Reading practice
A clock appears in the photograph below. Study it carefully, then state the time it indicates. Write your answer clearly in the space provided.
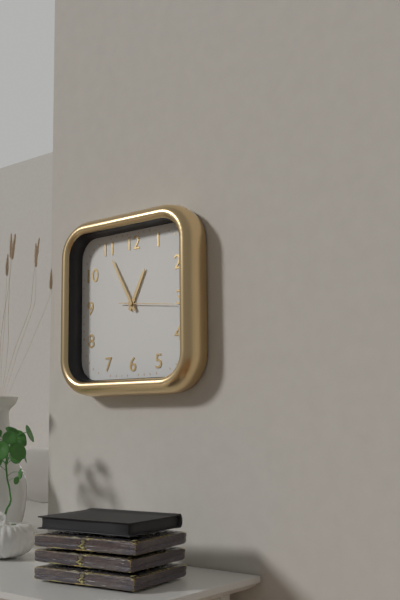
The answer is 12:55:16
